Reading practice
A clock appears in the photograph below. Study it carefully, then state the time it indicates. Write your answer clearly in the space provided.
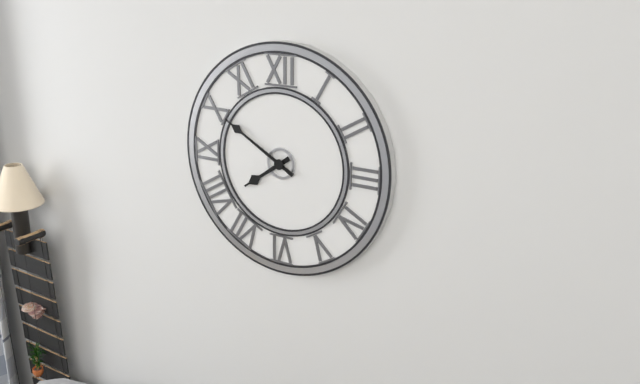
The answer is 7:50
